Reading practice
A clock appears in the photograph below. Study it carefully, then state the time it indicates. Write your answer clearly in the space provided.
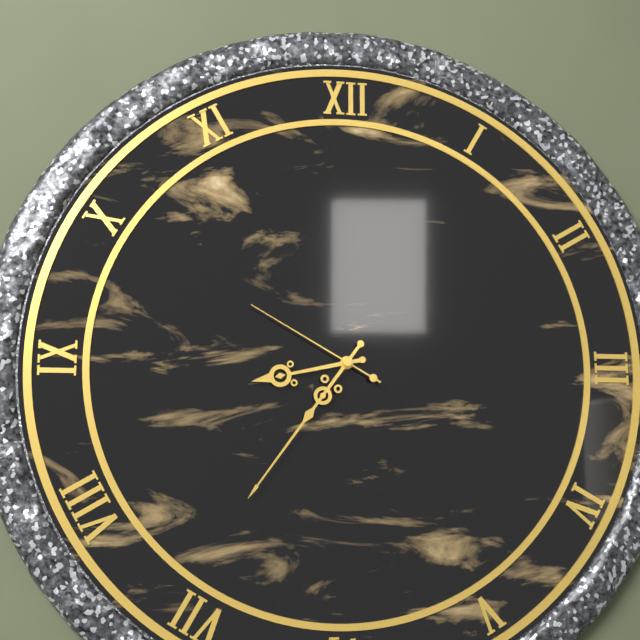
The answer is 8:36:50
